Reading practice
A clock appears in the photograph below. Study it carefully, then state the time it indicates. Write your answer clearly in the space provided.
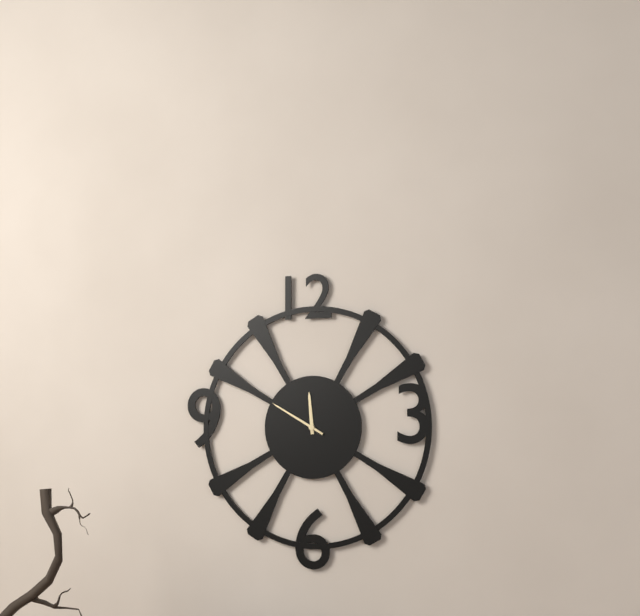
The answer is 11:50
